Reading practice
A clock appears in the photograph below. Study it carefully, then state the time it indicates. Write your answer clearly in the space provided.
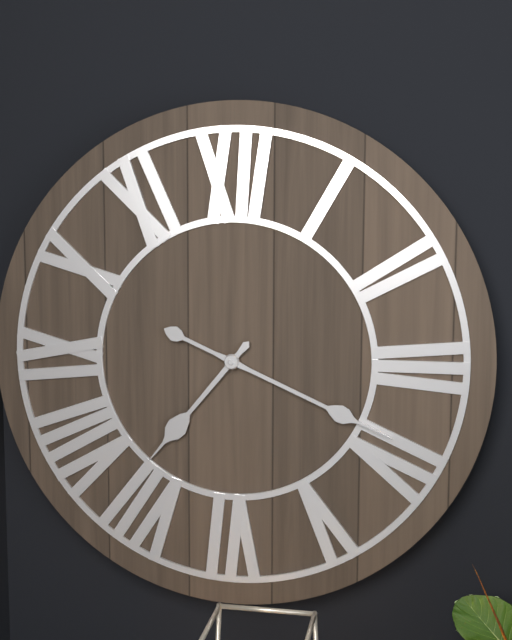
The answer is 7:19
